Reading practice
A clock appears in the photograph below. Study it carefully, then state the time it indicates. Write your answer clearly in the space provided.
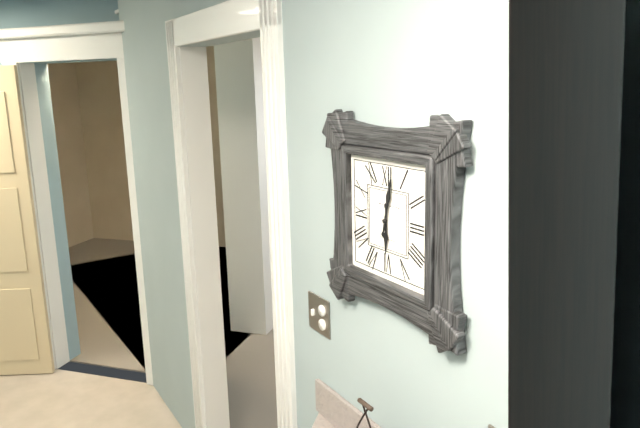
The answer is 6:02
